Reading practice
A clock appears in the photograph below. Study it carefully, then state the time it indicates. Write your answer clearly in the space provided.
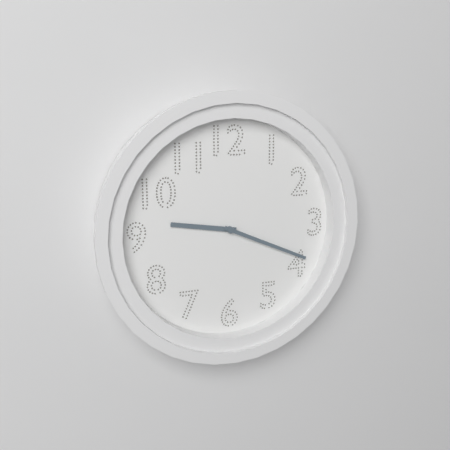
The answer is 9:19
